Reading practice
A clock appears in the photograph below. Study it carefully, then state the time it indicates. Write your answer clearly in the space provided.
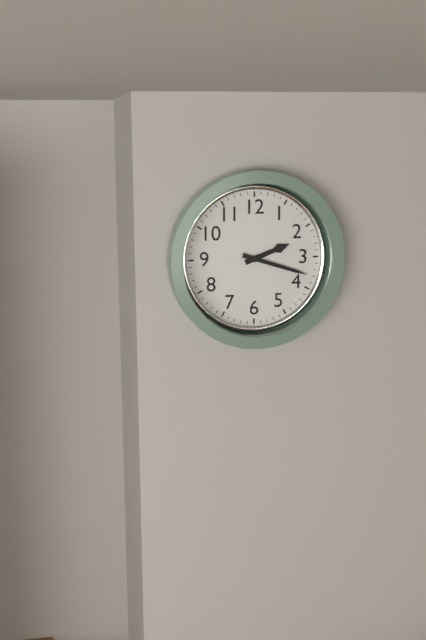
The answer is 2:18
